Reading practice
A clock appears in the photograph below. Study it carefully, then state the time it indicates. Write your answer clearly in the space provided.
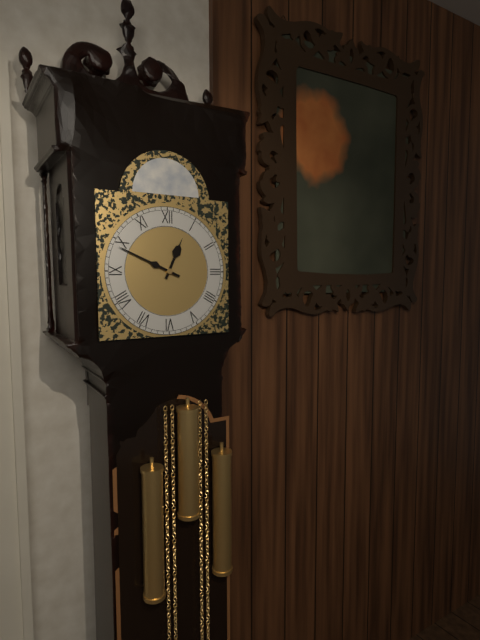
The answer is 12:49
